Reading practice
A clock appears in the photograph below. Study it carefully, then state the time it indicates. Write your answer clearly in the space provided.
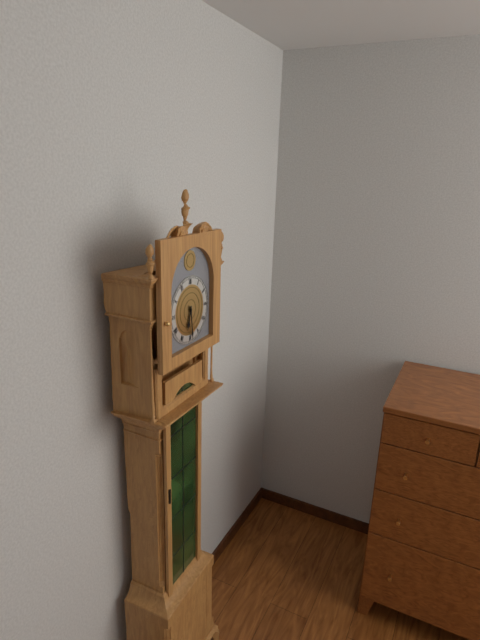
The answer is 6:29
